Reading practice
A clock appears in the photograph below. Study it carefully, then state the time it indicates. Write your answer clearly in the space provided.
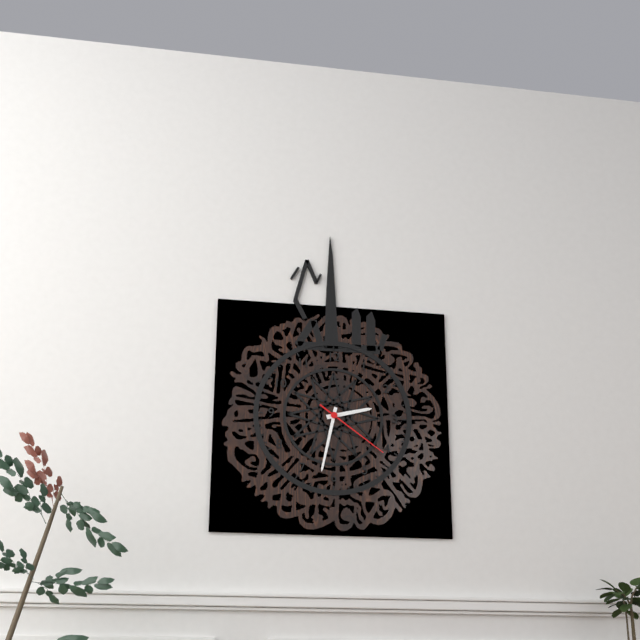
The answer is 2:32:21
